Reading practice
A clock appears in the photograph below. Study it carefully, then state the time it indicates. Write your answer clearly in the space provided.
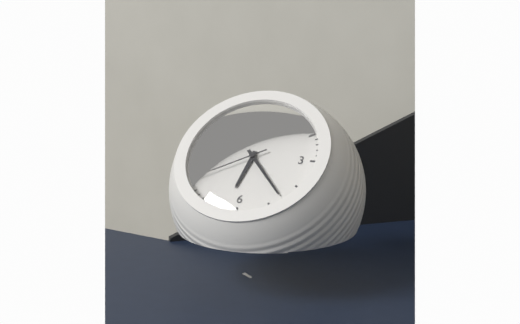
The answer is 6:23:40
